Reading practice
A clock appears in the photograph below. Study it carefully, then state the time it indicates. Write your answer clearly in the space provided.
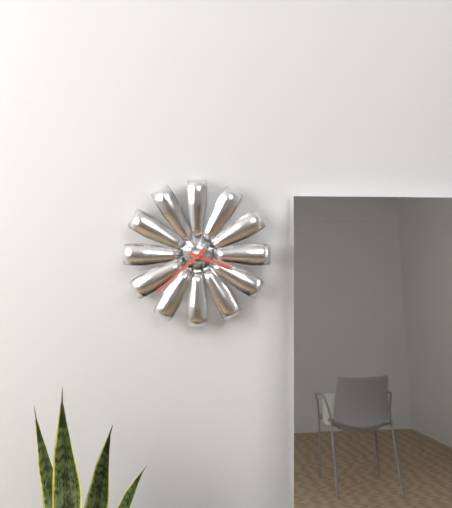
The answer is 3:38
